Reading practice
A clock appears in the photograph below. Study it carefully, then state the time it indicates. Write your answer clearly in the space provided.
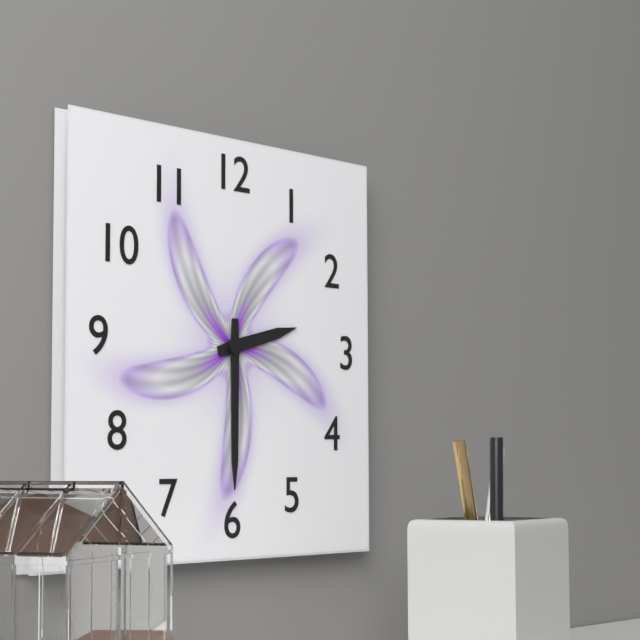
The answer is 2:30
